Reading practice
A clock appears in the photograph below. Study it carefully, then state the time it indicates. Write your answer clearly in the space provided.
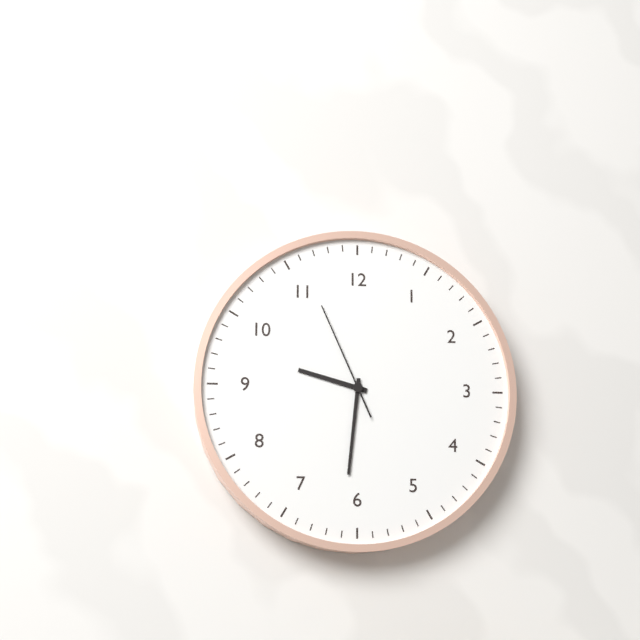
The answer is 9:31:56
